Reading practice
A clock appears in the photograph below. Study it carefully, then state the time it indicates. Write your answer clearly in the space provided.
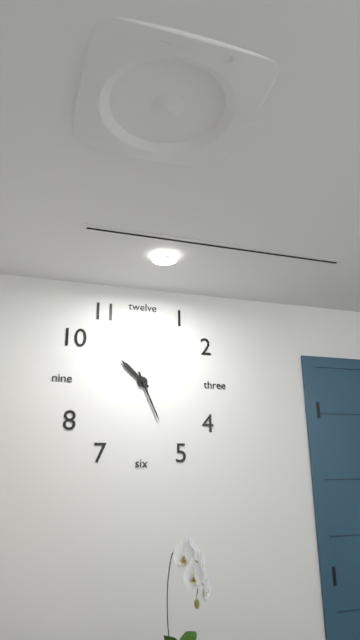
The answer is 10:26
